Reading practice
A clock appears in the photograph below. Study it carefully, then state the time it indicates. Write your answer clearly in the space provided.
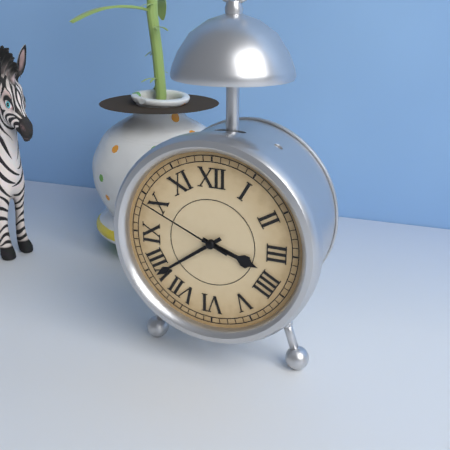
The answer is 3:39:49
